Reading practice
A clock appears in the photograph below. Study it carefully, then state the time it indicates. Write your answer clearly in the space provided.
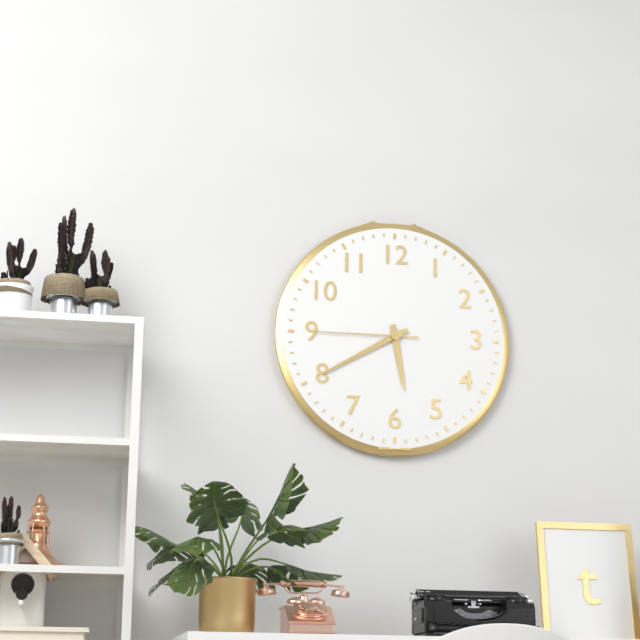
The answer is 5:40:45
